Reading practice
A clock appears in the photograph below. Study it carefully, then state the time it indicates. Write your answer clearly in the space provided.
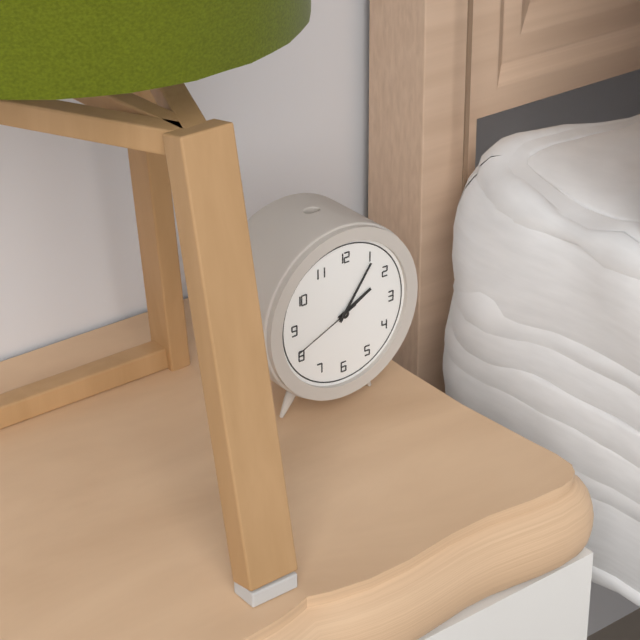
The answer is 2:06:41
